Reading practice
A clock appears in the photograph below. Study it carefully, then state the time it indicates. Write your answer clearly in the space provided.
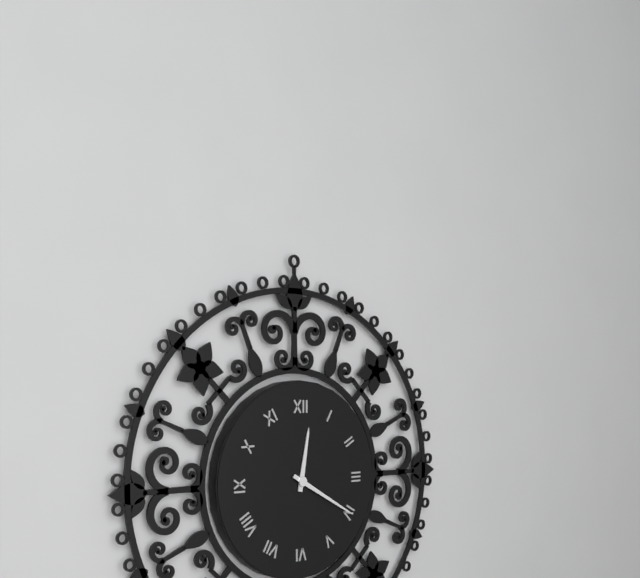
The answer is 12:20
